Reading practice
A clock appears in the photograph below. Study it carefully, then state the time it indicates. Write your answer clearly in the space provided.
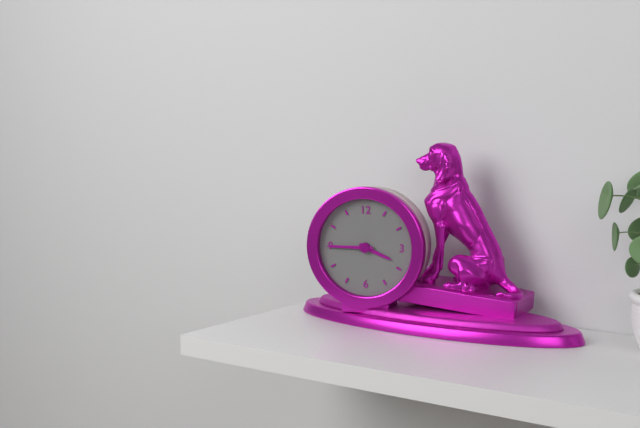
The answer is 3:45
